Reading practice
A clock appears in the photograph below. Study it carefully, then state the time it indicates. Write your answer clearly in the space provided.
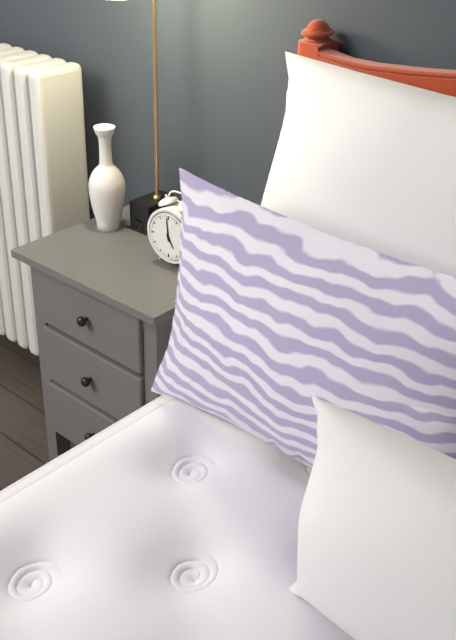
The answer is 4:59
